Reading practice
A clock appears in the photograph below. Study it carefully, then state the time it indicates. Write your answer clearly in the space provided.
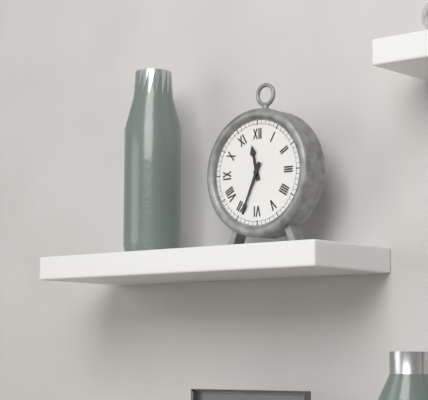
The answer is 11:34
